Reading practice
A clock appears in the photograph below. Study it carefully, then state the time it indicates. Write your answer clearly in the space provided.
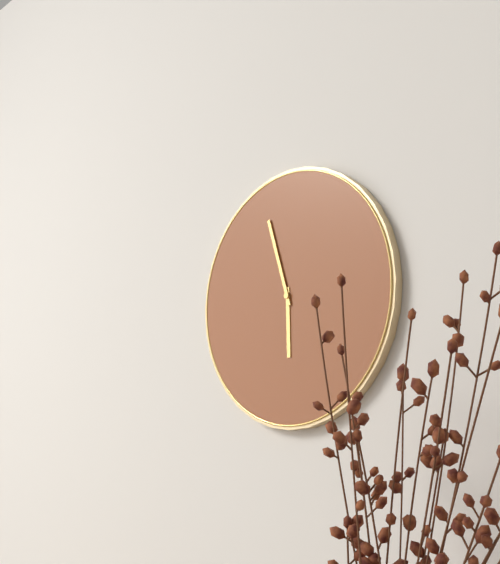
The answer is 5:57
